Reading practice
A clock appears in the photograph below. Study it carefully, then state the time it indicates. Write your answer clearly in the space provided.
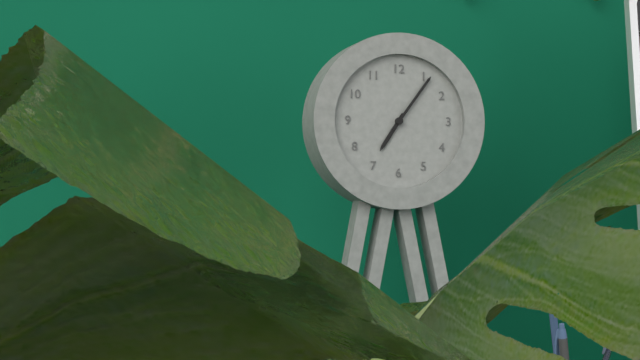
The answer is 7:06
